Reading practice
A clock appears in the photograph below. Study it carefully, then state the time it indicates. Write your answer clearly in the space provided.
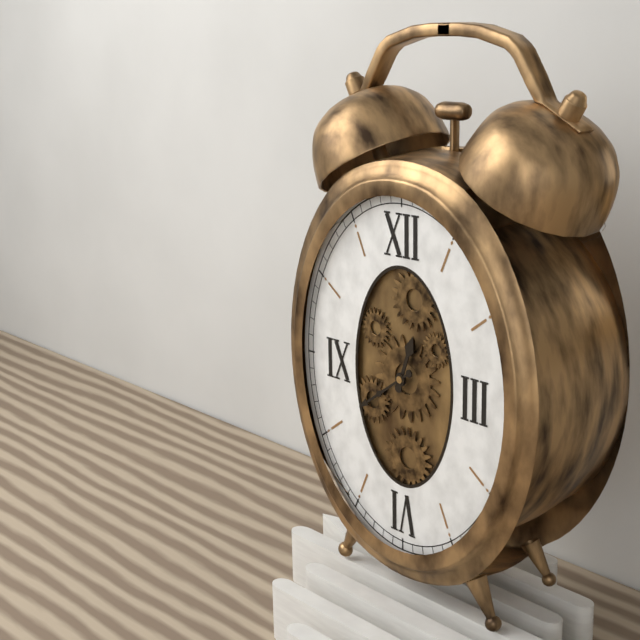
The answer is 12:39
